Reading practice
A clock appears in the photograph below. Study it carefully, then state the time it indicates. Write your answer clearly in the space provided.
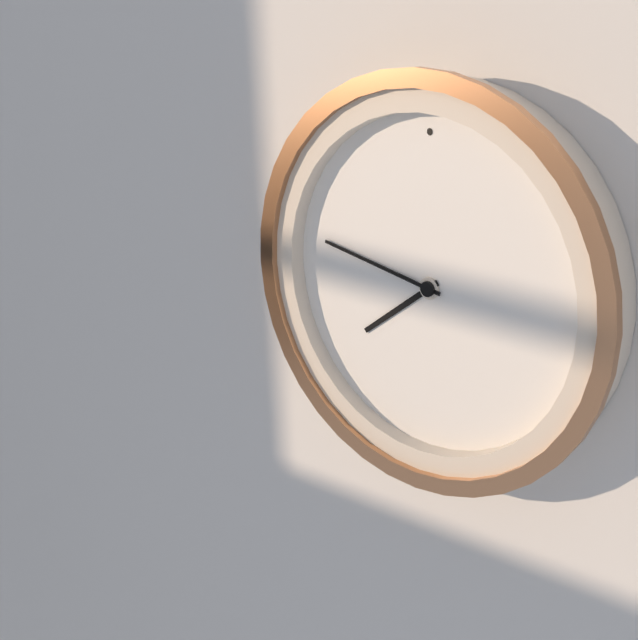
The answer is 7:47
